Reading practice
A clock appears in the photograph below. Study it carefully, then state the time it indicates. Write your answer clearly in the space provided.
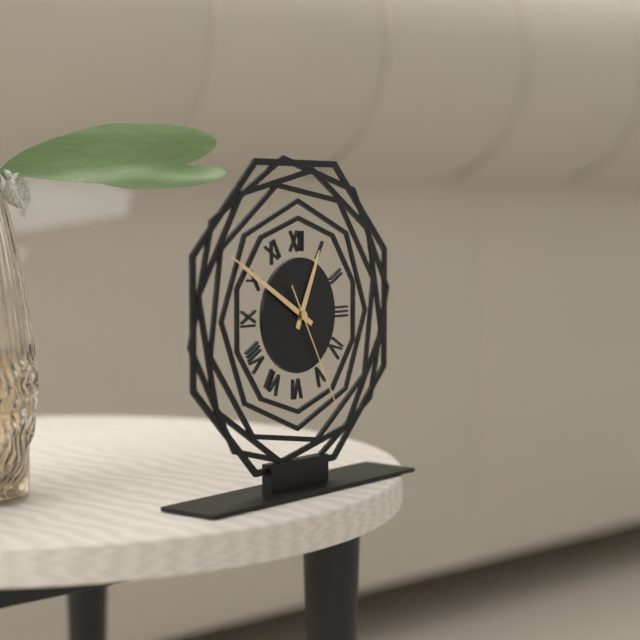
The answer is 12:50:25
